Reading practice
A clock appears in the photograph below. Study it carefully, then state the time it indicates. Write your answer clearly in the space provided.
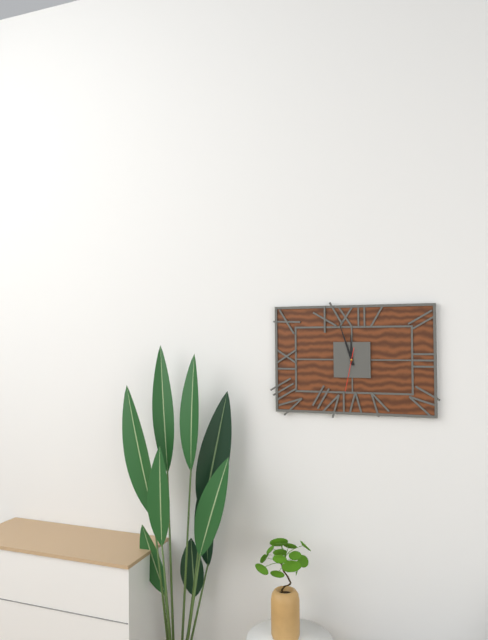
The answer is 11:57
